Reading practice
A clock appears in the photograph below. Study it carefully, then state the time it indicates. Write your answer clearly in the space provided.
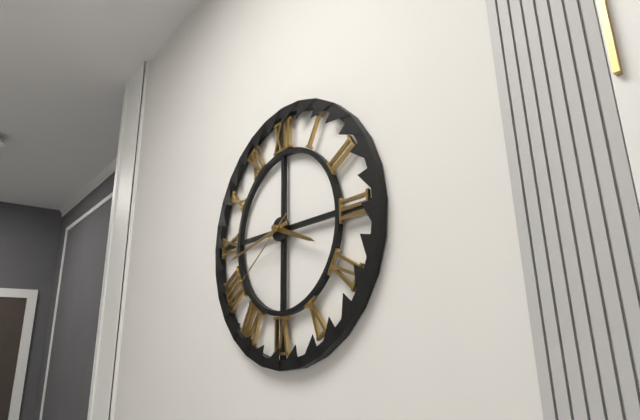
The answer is 3:43:39
